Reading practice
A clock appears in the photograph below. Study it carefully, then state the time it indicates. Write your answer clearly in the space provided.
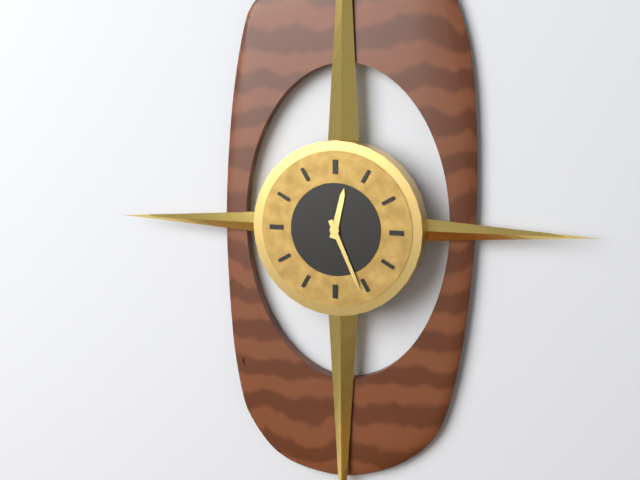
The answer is 12:26
